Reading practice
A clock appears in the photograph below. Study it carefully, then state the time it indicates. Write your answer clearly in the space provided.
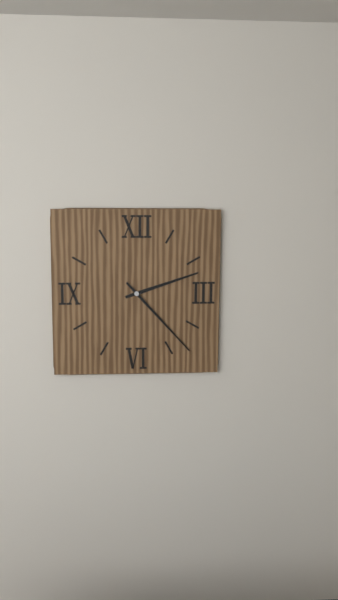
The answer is 2:23
